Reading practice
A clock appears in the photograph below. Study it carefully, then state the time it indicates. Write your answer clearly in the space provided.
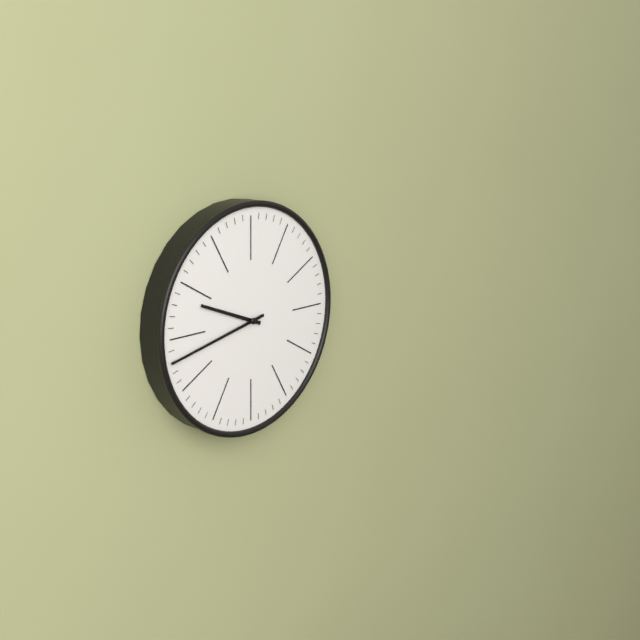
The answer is 9:43
